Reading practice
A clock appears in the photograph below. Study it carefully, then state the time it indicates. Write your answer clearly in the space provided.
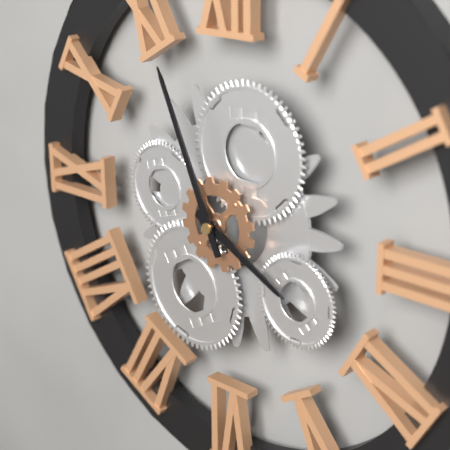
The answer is 3:56
